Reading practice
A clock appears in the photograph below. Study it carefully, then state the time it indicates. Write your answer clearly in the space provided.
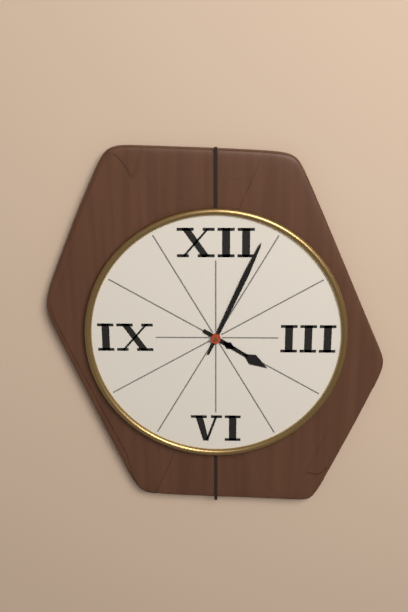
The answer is 4:04
